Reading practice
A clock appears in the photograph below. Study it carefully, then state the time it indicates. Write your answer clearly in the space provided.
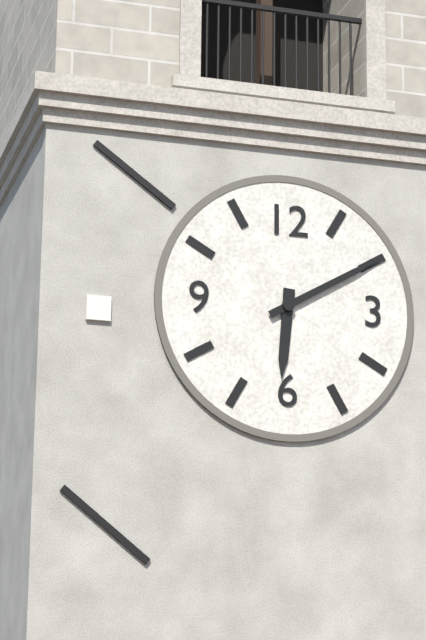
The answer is 6:10
